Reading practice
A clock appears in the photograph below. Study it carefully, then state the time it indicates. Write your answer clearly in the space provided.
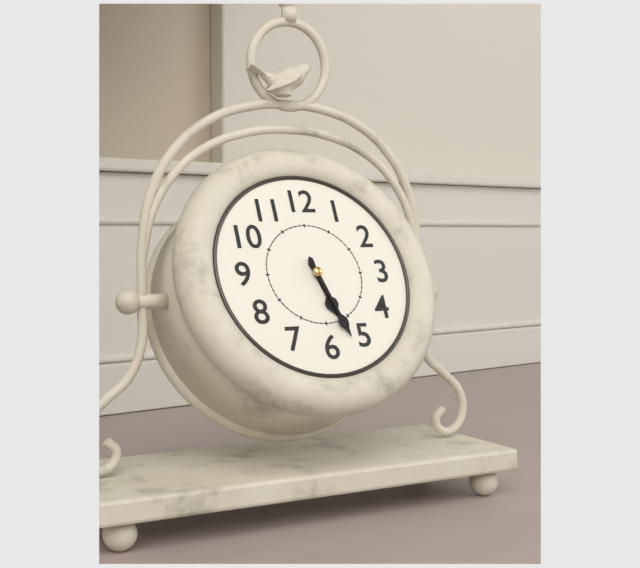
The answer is 5:27
